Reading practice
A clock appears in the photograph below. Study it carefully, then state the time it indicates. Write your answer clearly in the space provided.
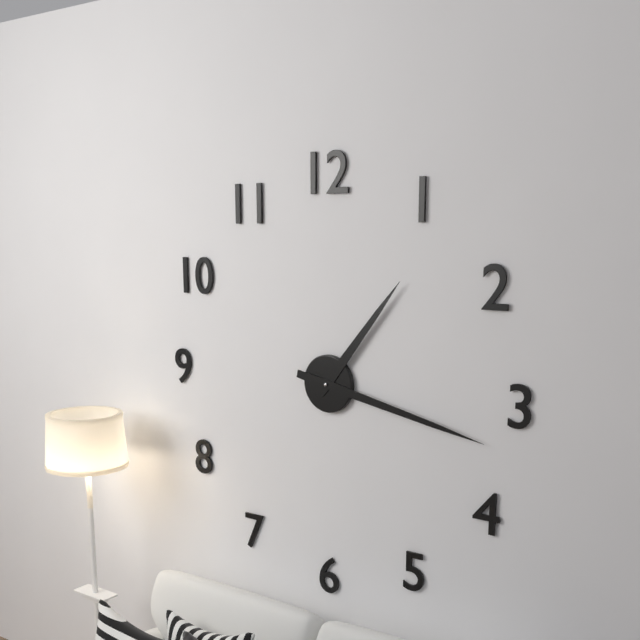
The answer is 1:17
